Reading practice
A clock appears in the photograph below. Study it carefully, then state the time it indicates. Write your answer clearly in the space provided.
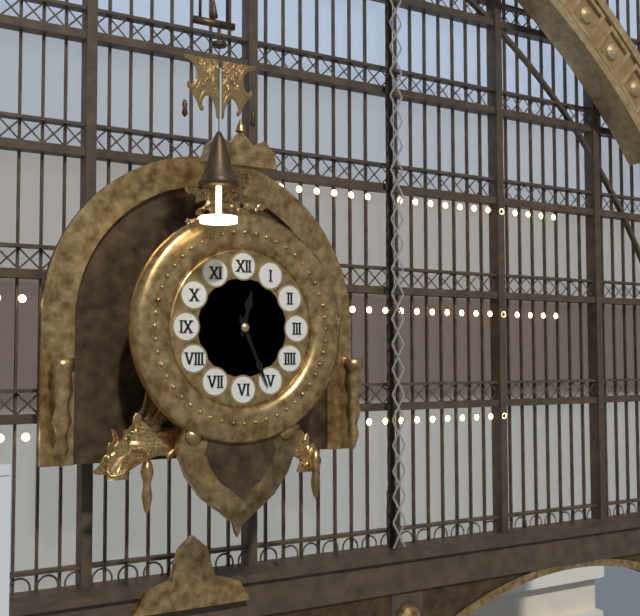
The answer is 12:26
